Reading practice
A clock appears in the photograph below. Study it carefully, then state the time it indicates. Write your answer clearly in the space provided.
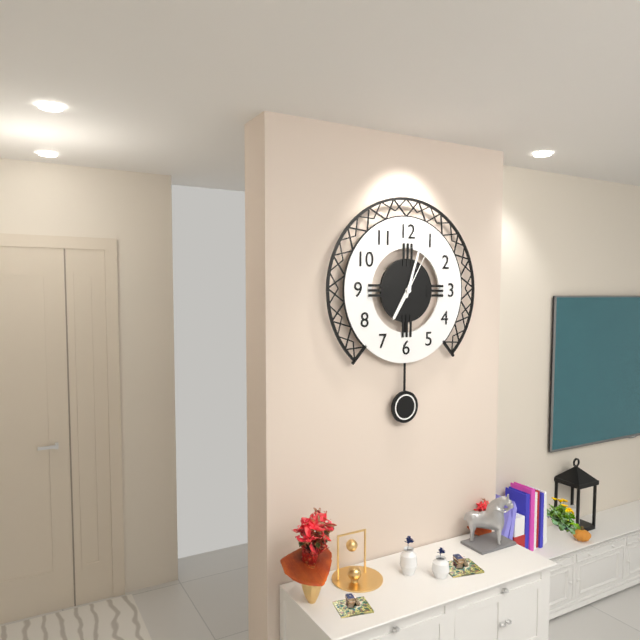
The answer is 7:03:05
